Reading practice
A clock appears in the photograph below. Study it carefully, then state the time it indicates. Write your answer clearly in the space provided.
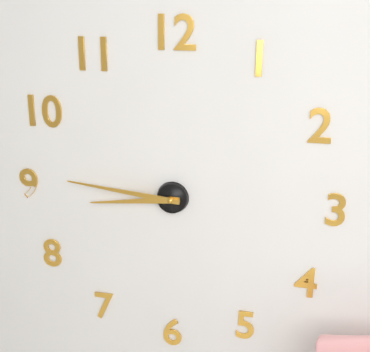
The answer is 8:46
